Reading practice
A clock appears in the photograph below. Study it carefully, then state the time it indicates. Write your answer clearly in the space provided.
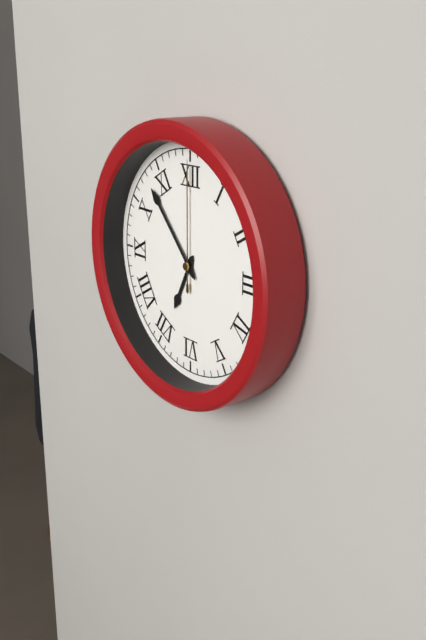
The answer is 6:53:00
